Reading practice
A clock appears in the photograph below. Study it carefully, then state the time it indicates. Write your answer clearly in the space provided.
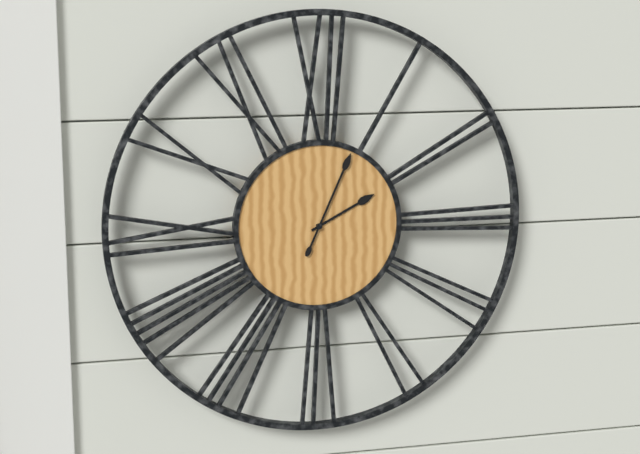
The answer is 2:04
